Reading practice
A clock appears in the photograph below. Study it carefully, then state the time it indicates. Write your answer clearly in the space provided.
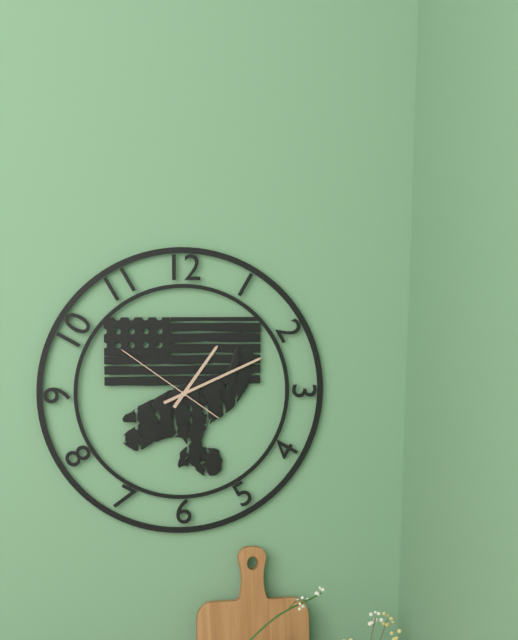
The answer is 1:11:51
